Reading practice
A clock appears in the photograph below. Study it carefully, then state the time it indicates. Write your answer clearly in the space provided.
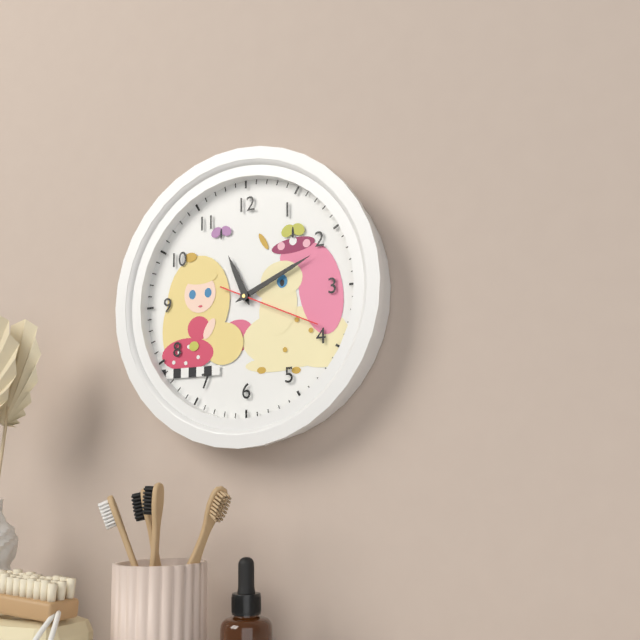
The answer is 11:11:19
